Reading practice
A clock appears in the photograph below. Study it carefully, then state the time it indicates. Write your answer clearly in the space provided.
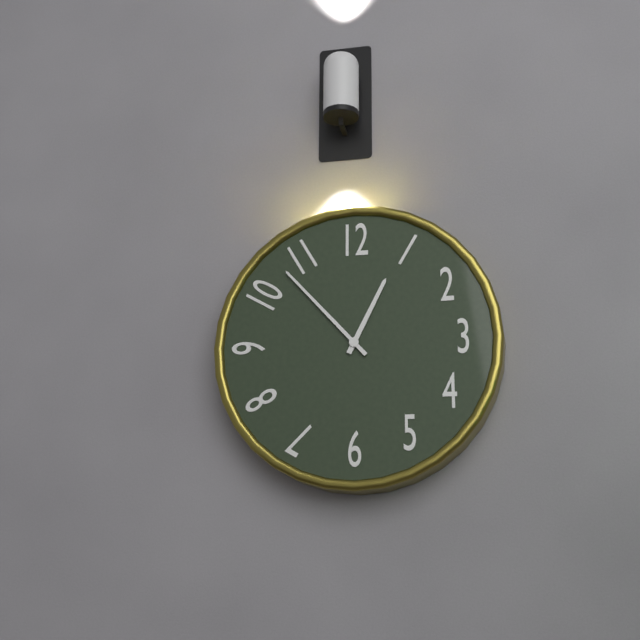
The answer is 12:53
